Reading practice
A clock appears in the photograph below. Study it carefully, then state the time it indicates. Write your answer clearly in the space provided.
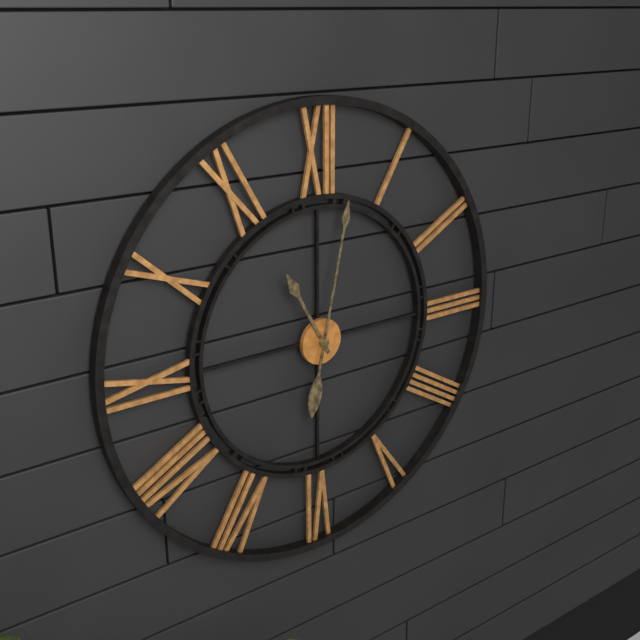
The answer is 11:02
